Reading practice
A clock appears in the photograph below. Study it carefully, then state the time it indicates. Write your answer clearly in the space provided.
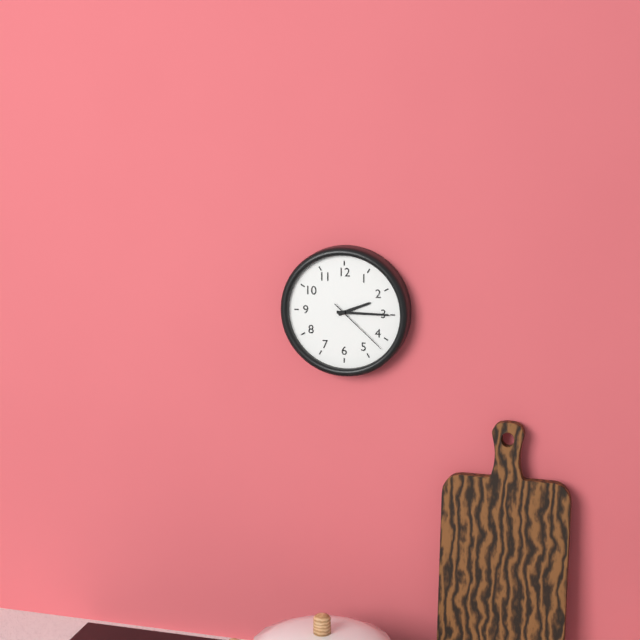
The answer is 2:15:22
